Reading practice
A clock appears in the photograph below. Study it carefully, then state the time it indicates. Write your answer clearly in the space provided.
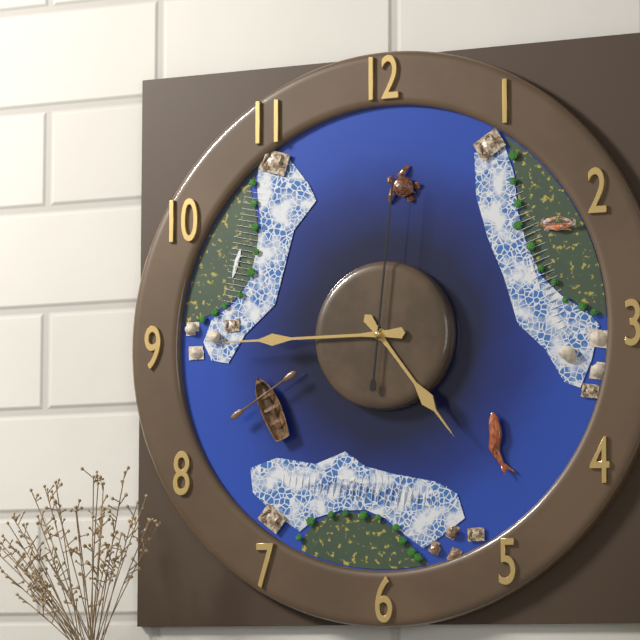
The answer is 4:45:01
